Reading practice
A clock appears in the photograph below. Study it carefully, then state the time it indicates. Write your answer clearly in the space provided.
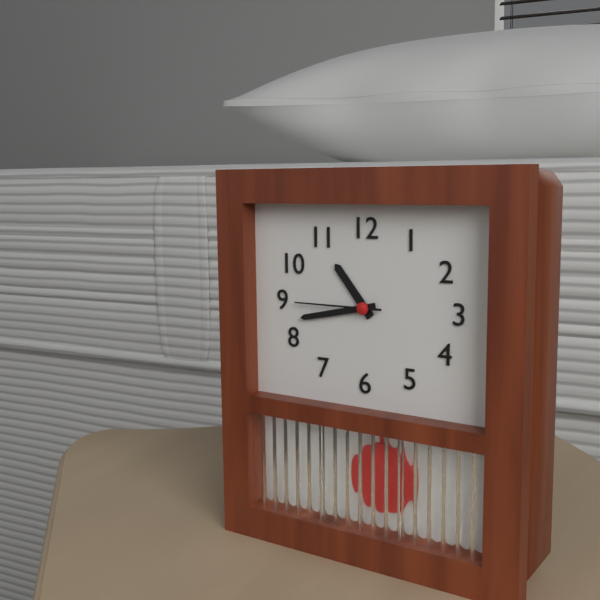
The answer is 10:43:45
